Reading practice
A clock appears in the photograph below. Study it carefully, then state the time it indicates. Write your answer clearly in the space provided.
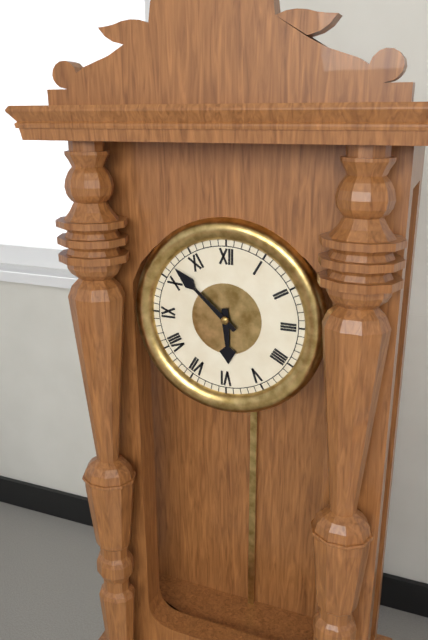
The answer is 5:52
